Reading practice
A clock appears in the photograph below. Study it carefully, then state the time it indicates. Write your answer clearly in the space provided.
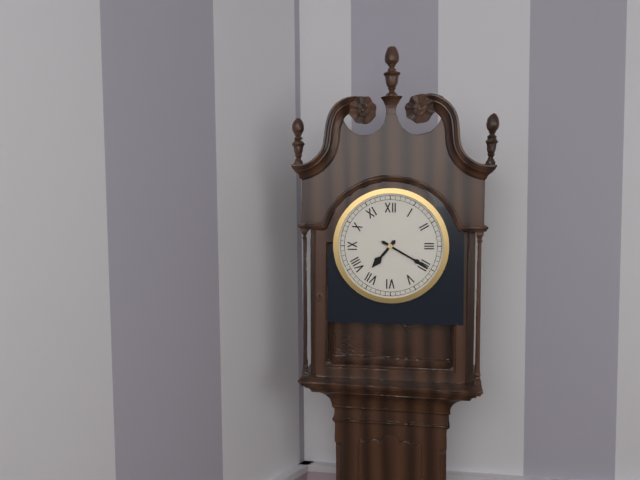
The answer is 7:20
